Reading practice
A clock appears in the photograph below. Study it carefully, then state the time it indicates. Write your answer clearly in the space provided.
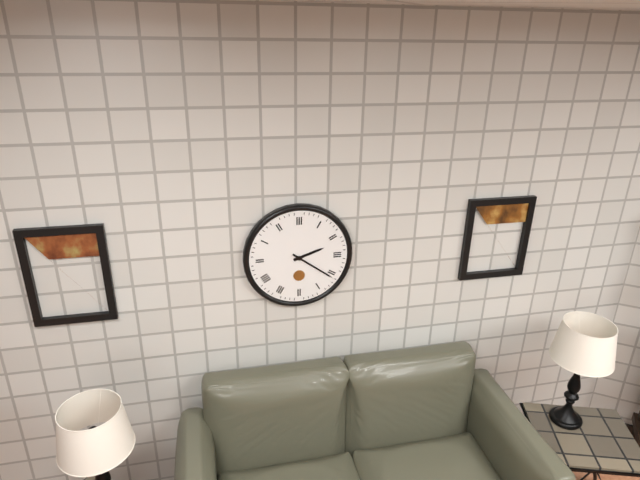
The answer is 2:21
